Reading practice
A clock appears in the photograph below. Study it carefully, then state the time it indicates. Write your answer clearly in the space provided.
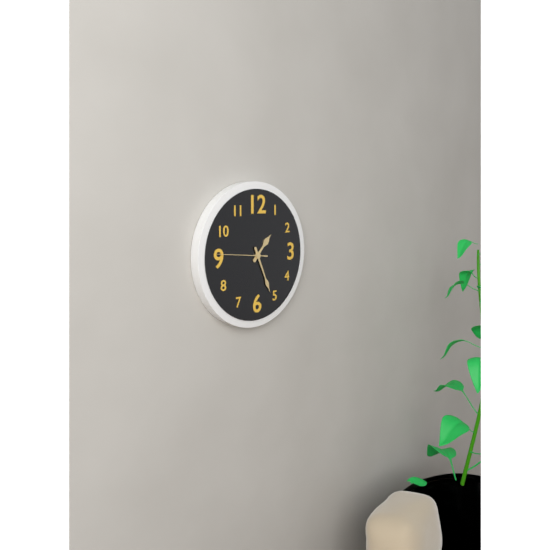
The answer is 1:26:46
